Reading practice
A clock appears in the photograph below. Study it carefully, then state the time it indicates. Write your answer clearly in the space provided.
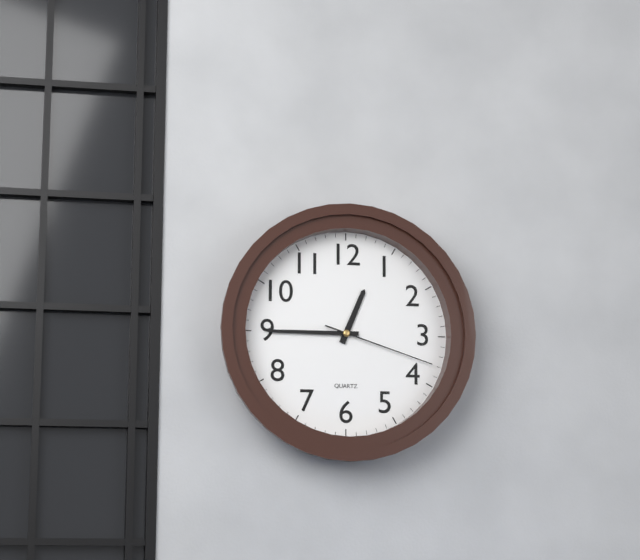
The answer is 12:45:18
